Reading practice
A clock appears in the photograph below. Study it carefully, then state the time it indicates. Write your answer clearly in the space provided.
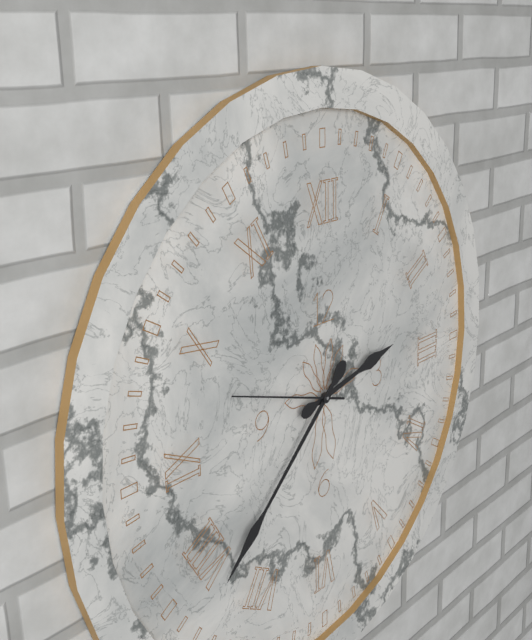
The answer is 2:38:48
